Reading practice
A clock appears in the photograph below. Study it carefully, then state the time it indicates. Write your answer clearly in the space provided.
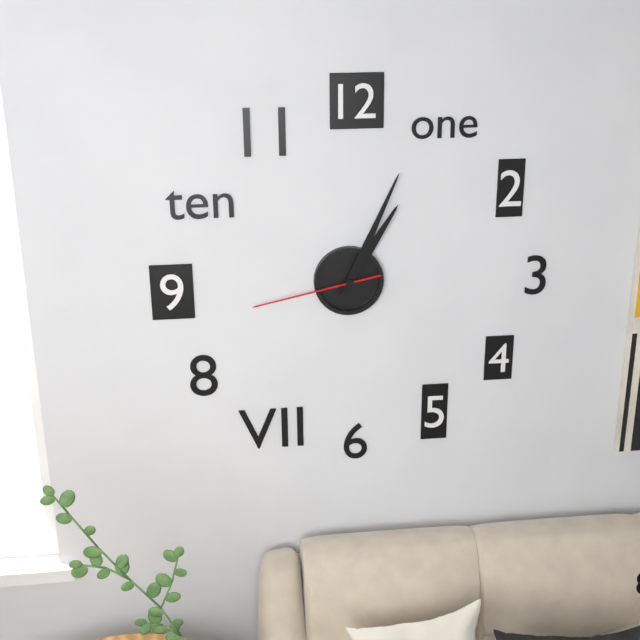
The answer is 1:04:43
